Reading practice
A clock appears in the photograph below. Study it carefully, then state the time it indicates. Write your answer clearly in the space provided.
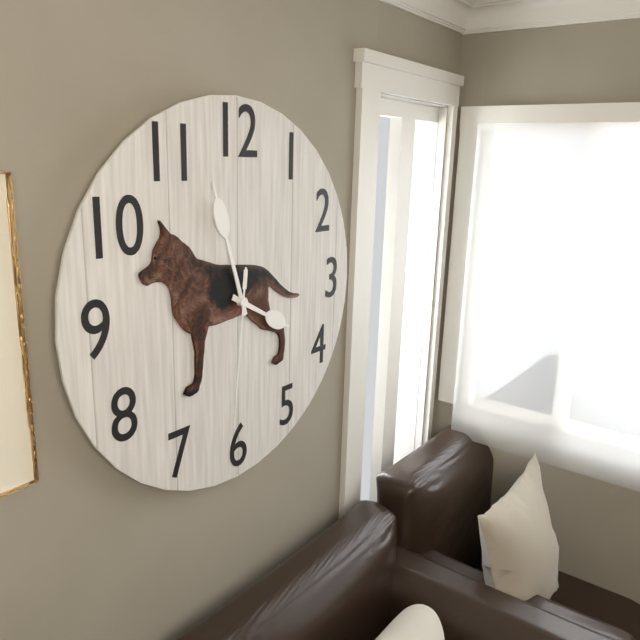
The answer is 3:57:31
